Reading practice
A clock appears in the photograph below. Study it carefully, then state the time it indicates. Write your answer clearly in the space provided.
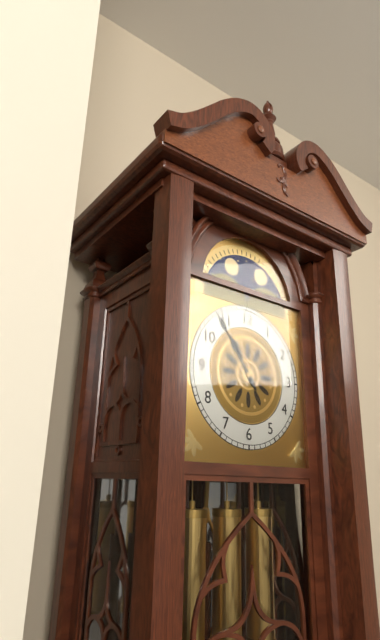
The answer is 10:54
